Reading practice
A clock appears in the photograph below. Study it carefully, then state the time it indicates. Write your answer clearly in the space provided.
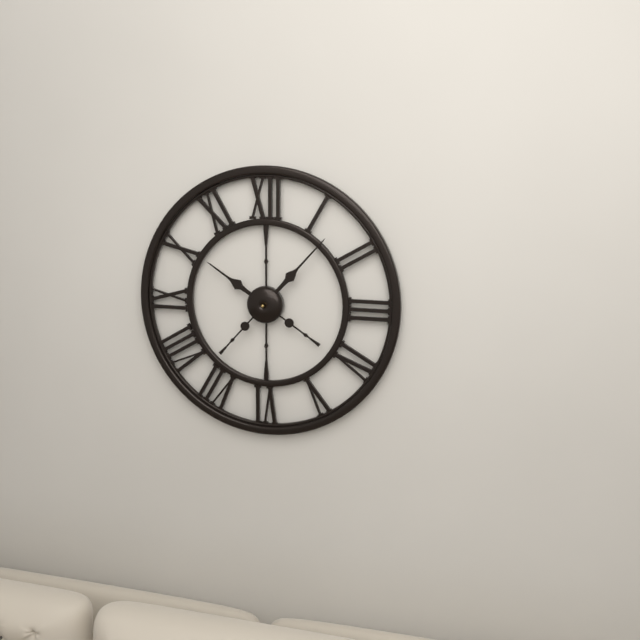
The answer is 10:07
